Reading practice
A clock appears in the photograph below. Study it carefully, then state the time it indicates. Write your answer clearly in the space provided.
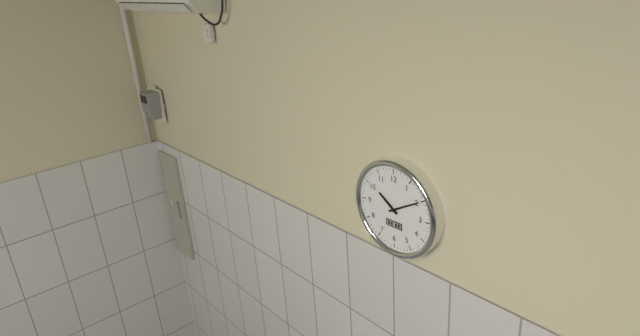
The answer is 10:10
